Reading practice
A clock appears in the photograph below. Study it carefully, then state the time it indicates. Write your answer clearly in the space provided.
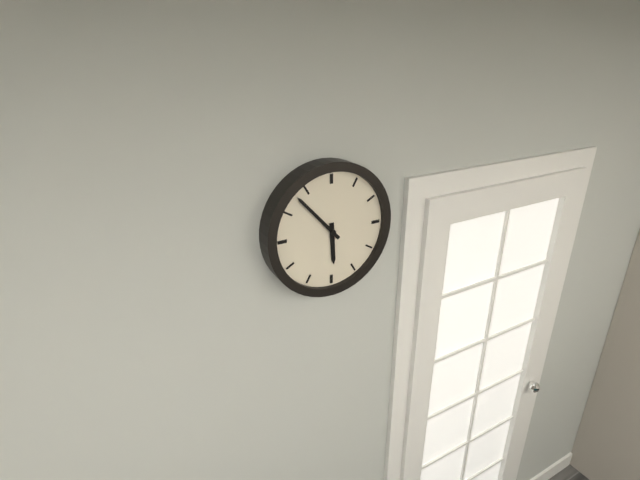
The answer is 5:53
